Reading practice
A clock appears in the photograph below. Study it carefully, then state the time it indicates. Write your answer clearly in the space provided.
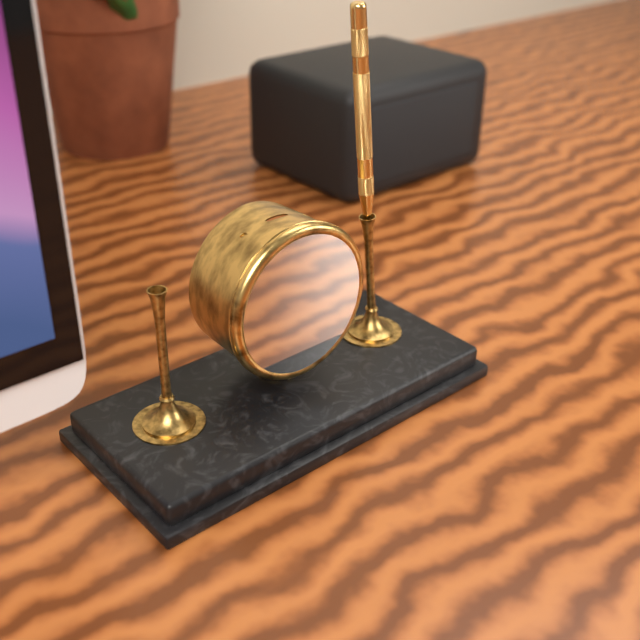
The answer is 4:33:36
